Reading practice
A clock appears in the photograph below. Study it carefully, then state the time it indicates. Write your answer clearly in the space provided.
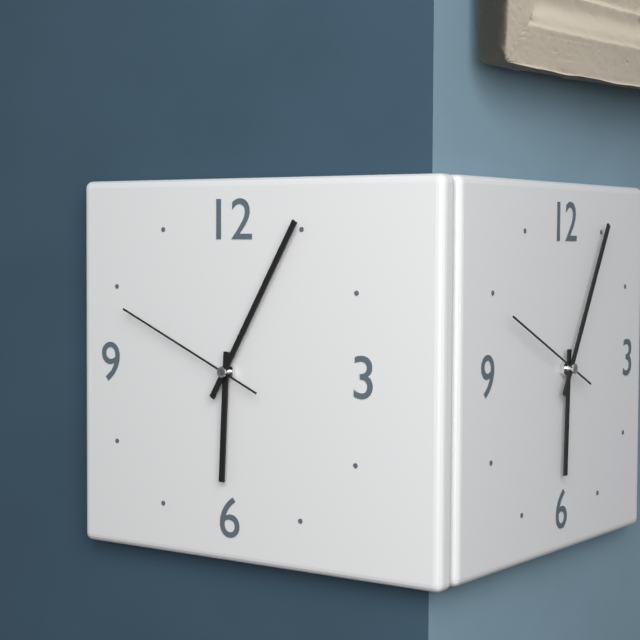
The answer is 6:05:49
